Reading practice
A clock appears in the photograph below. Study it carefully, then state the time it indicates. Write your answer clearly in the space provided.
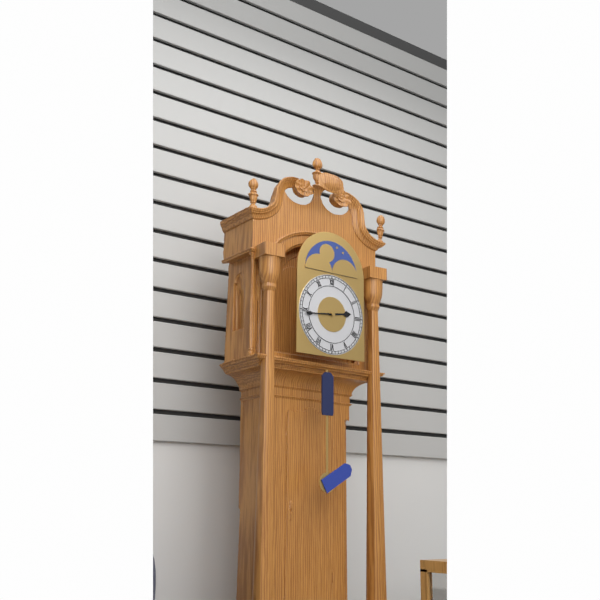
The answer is 2:44
